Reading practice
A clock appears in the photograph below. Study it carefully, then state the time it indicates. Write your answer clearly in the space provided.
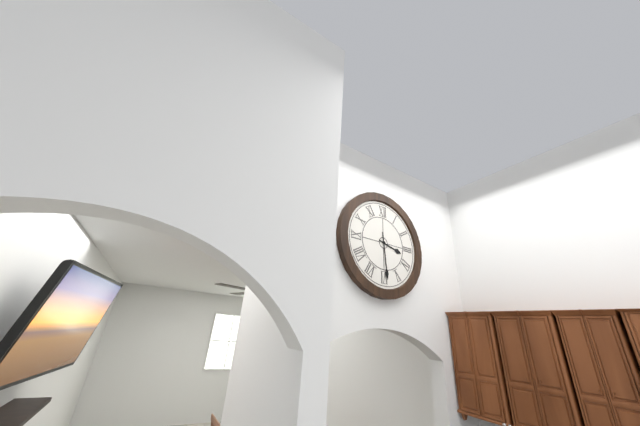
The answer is 3:29
